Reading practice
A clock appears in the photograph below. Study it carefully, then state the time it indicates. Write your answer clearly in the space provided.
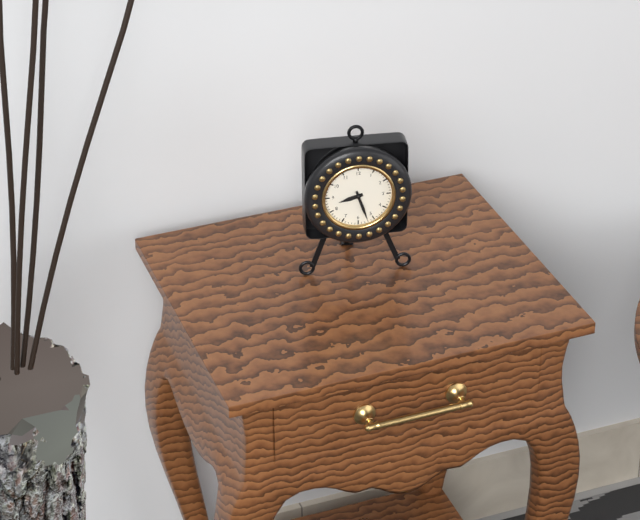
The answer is 8:27
